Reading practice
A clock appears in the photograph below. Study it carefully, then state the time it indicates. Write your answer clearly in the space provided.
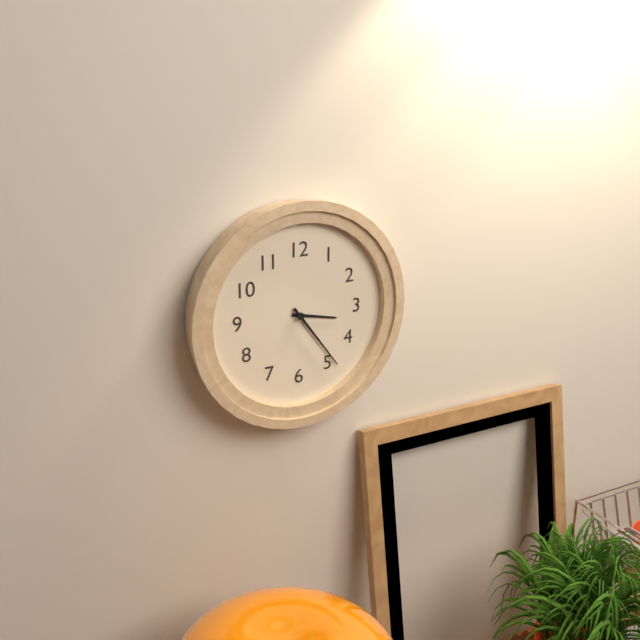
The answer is 3:24
